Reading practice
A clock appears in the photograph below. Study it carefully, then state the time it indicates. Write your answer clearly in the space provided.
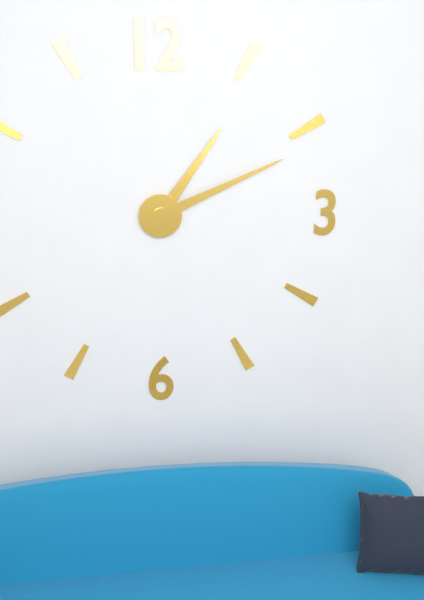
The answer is 1:11
